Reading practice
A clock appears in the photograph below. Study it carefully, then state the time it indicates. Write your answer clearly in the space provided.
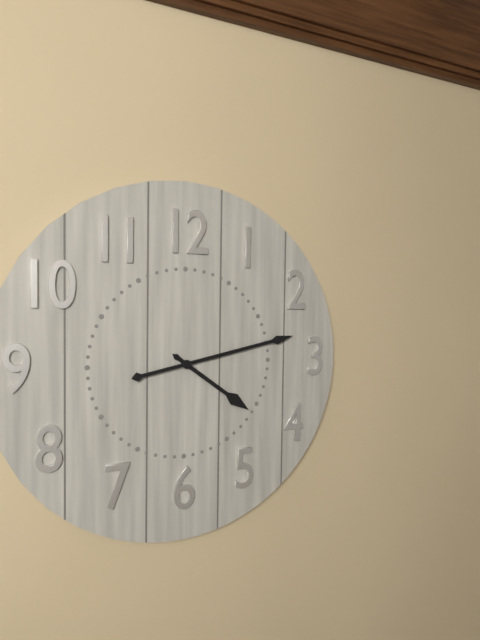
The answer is 4:13
